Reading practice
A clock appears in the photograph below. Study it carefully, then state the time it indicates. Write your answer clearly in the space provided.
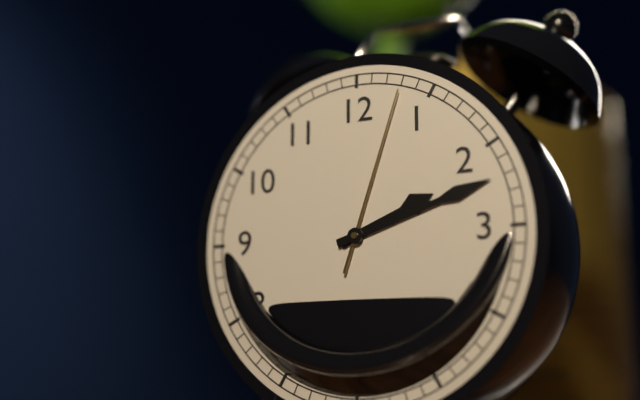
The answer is 2:12:03
